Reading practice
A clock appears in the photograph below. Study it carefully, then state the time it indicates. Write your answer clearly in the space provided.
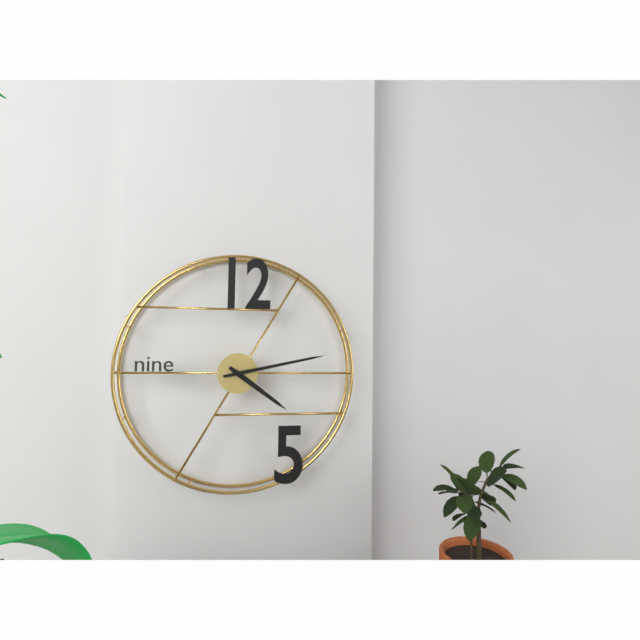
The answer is 4:13
